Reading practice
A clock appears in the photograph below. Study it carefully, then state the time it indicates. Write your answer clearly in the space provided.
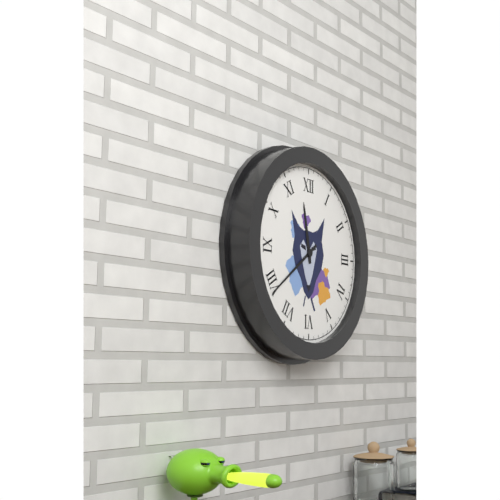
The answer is 11:39
